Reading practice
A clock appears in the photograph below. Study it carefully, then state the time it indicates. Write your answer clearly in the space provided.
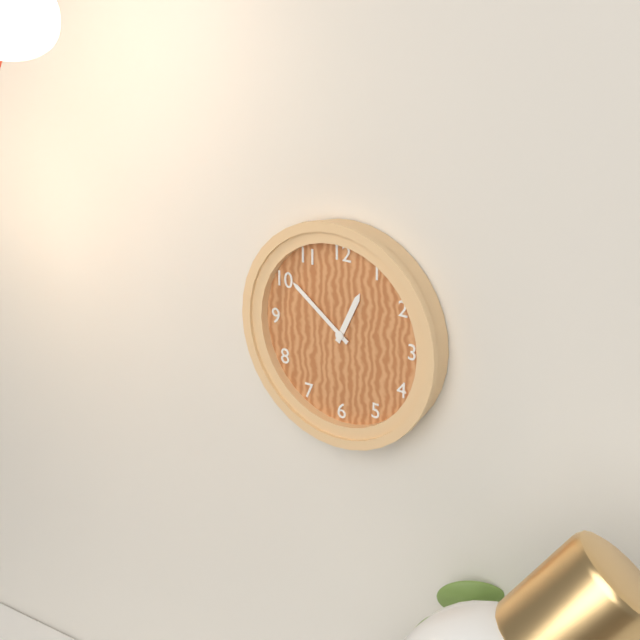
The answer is 12:51
